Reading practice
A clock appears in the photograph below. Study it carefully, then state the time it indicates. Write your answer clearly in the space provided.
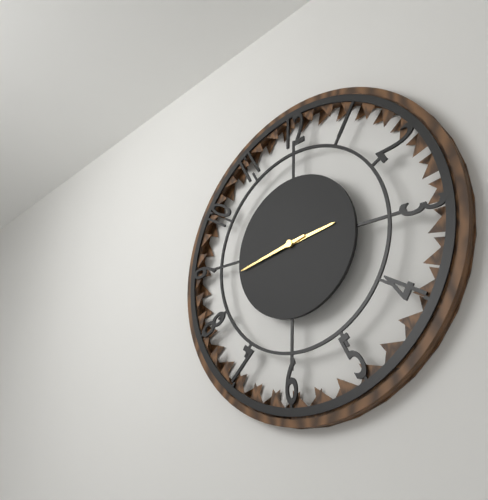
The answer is 2:43
